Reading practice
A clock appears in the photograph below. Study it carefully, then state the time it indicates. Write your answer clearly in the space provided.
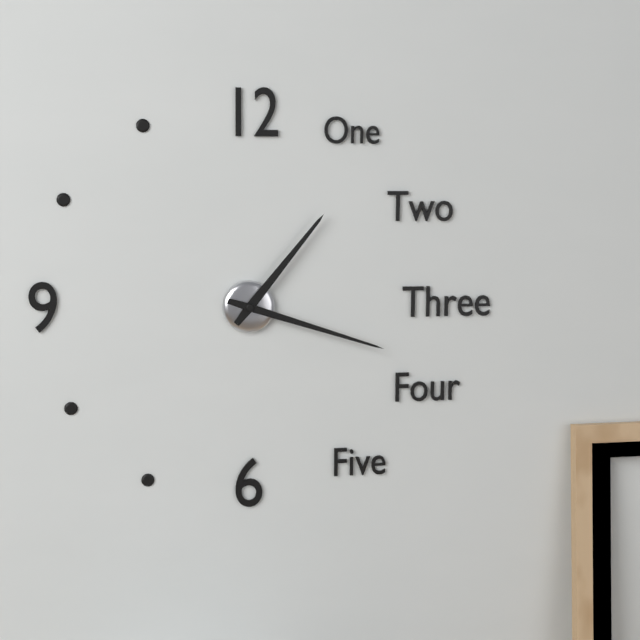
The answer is 1:18
